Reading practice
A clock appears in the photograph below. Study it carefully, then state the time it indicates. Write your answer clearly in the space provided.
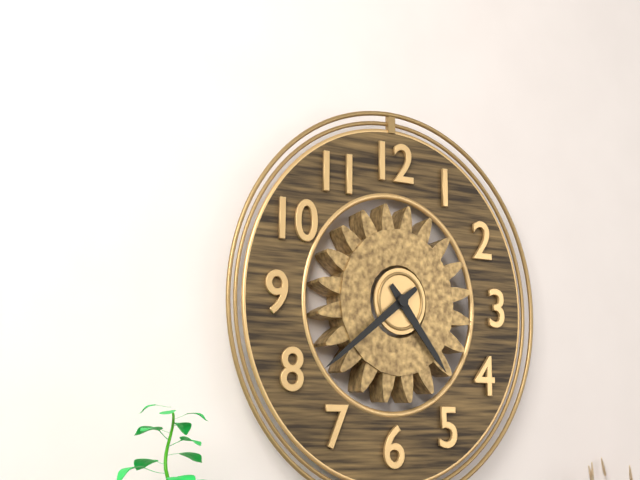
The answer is 4:39
